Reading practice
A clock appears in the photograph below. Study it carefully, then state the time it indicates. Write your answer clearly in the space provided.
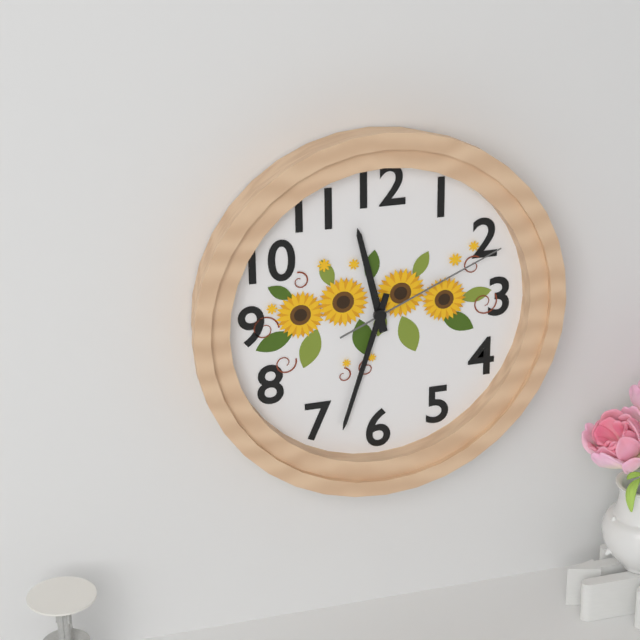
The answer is 11:33:11
